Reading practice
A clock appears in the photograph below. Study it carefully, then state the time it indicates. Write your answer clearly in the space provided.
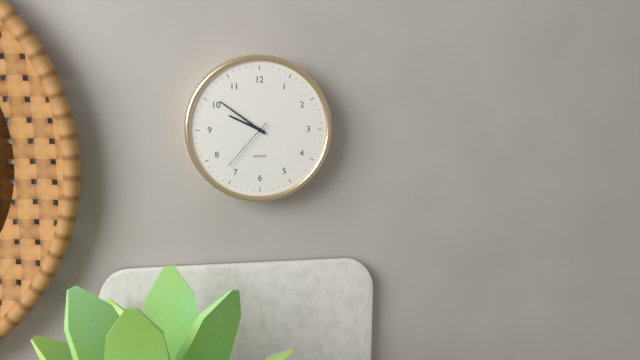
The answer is 9:51:37
